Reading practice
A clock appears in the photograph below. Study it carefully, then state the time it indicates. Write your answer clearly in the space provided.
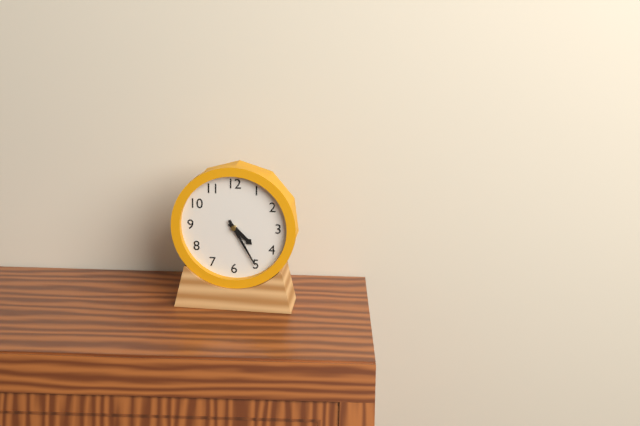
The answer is 4:25
